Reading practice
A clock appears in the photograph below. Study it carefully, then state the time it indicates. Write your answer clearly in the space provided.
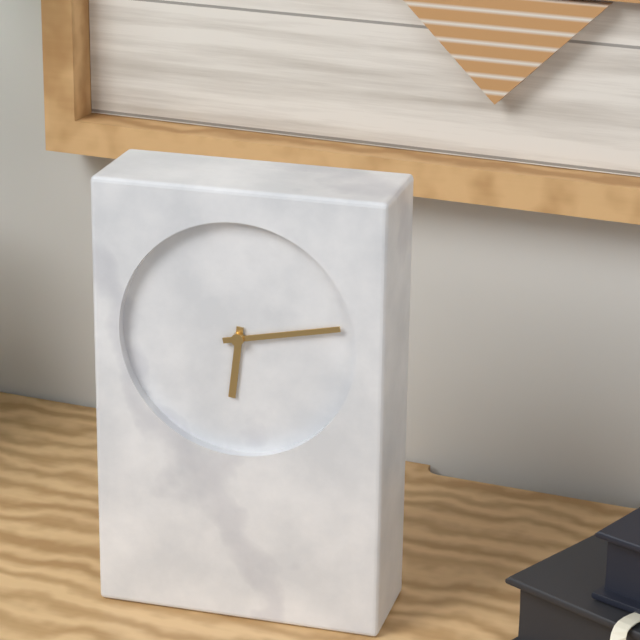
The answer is 6:13
